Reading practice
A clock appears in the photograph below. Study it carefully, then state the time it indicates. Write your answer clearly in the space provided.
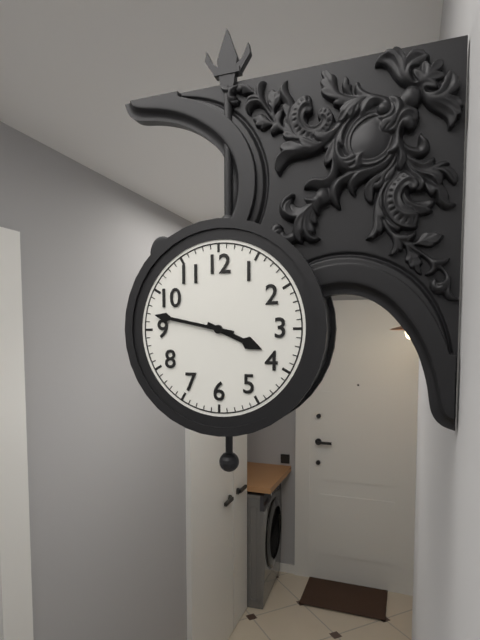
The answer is 3:47
